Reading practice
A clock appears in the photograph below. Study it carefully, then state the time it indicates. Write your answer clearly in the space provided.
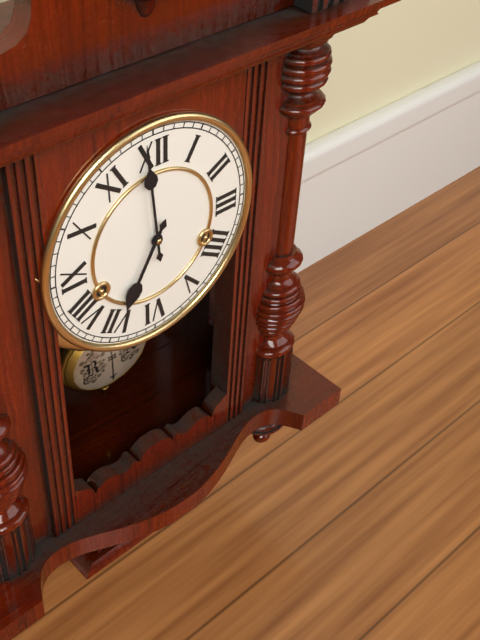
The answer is 6:59
